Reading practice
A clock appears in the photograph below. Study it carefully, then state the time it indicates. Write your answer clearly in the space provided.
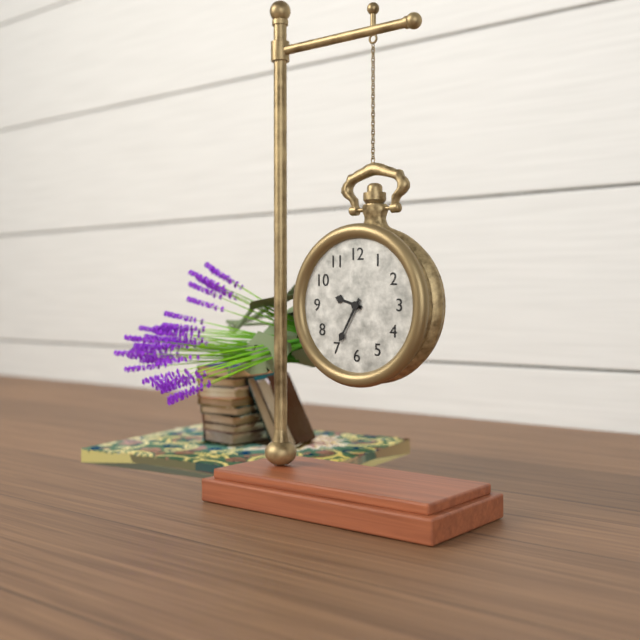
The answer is 9:35
